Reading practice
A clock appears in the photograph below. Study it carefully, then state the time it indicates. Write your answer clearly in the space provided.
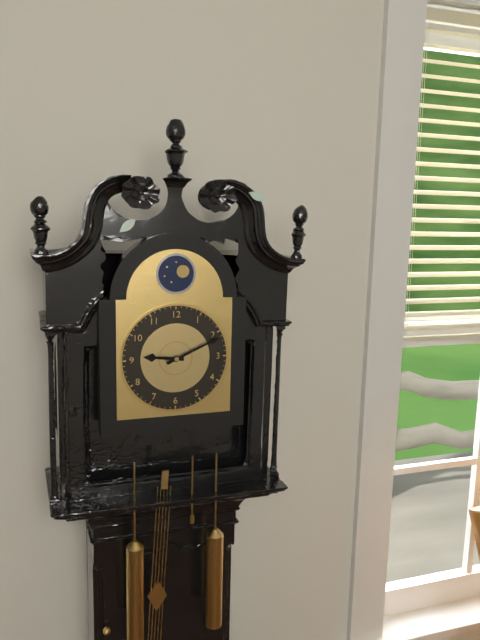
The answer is 9:11
